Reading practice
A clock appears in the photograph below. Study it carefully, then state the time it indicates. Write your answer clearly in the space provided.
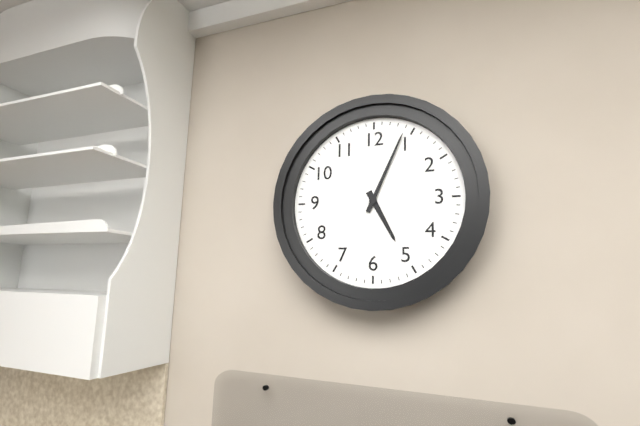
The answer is 5:04
